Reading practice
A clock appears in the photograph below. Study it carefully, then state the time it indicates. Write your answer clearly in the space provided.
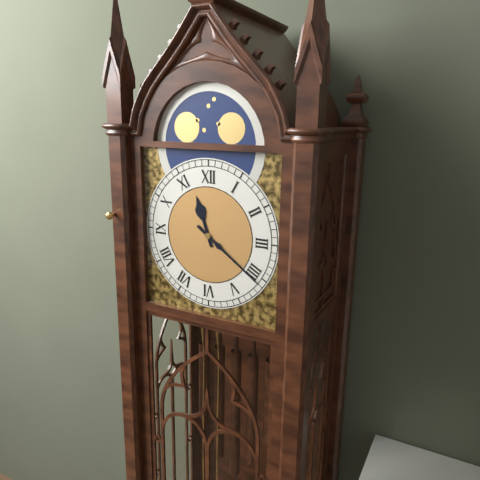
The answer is 11:21
